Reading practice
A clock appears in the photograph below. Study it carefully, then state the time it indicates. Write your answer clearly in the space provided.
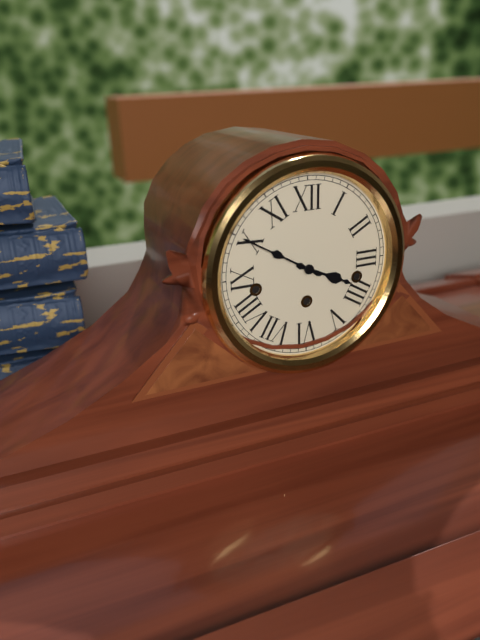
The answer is 3:50
